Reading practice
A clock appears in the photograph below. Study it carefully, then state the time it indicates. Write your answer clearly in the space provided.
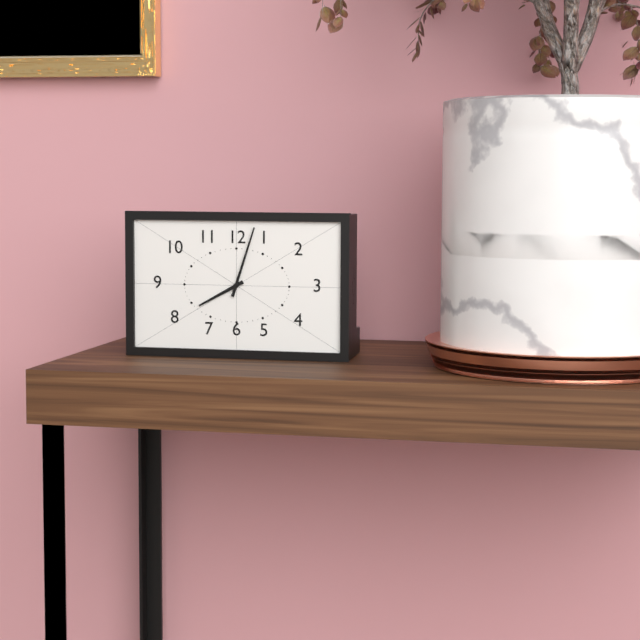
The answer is 8:03
